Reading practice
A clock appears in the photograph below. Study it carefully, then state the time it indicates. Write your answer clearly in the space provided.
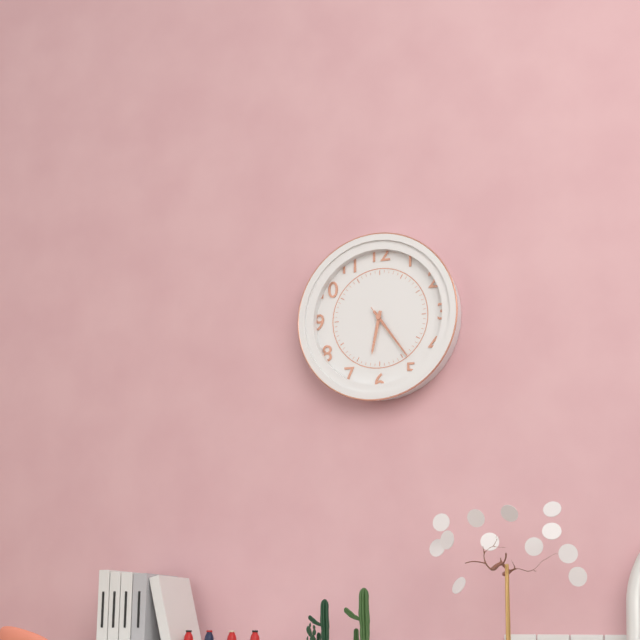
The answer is 6:24:24
